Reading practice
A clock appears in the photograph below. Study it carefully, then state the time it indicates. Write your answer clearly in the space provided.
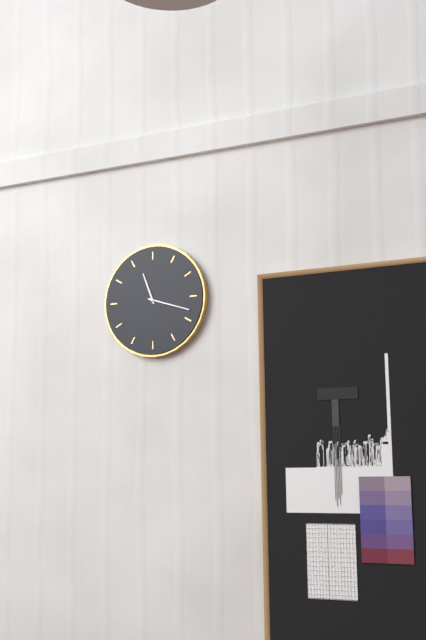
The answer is 11:18
